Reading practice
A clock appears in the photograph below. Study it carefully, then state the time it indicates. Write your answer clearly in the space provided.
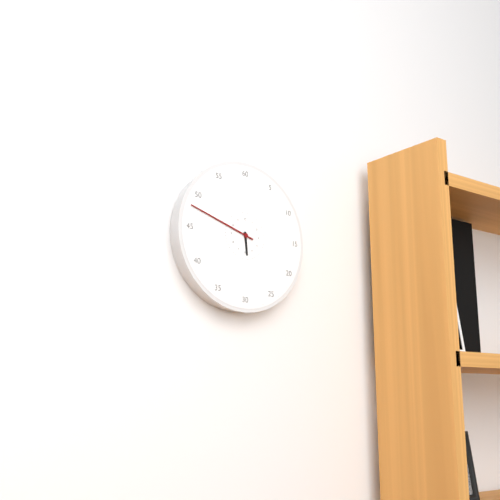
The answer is 5:48
